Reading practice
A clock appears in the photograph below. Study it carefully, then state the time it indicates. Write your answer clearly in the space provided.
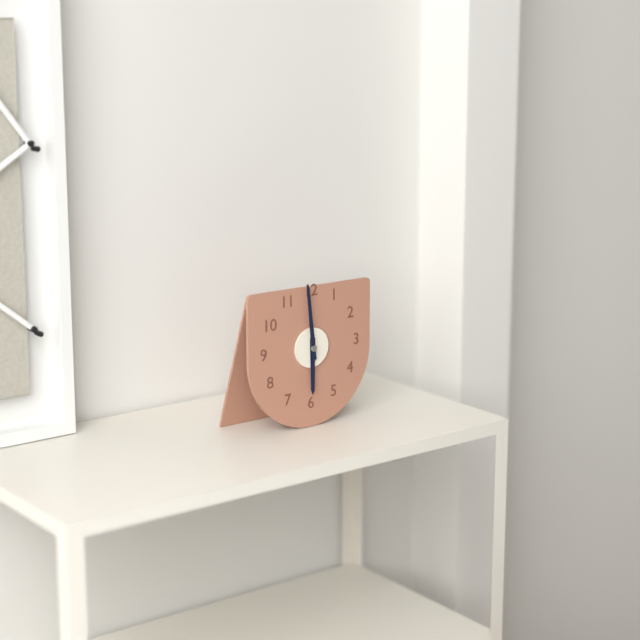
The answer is 5:59
